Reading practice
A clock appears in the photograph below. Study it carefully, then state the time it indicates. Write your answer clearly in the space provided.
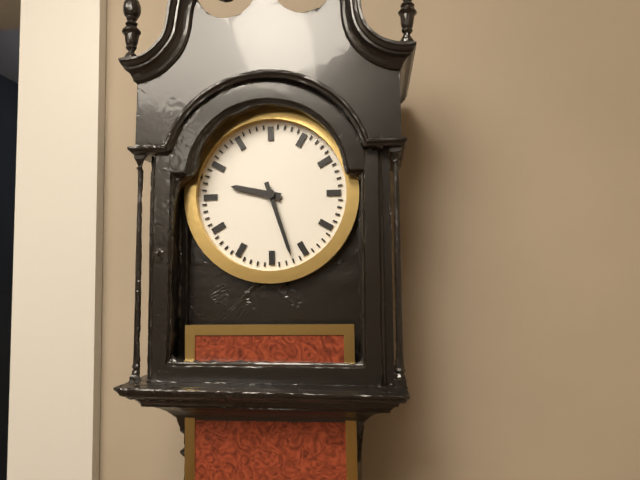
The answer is 9:27
